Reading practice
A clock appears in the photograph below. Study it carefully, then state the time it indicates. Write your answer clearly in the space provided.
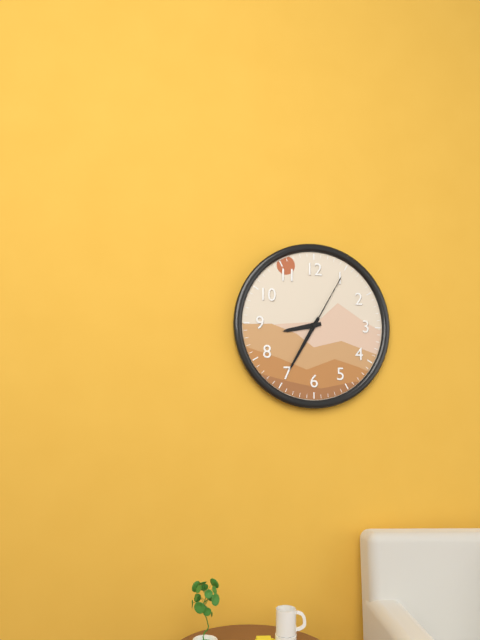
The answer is 8:35:05
